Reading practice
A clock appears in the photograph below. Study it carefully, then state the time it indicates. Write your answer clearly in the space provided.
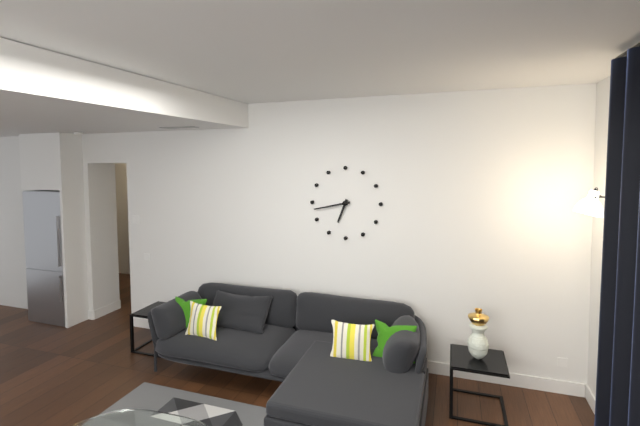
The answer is 6:43
